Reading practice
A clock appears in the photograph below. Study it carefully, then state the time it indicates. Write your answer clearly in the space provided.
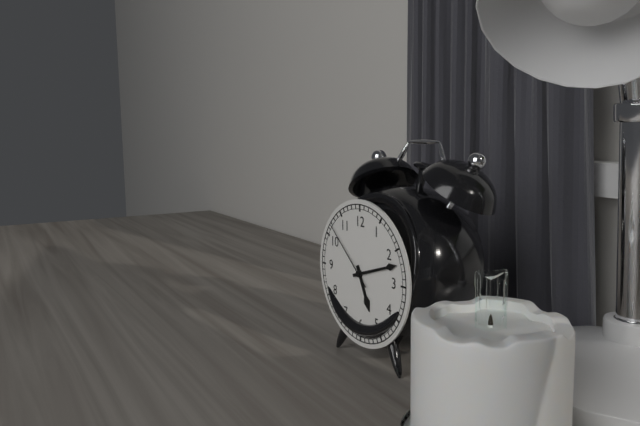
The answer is 5:12:52
